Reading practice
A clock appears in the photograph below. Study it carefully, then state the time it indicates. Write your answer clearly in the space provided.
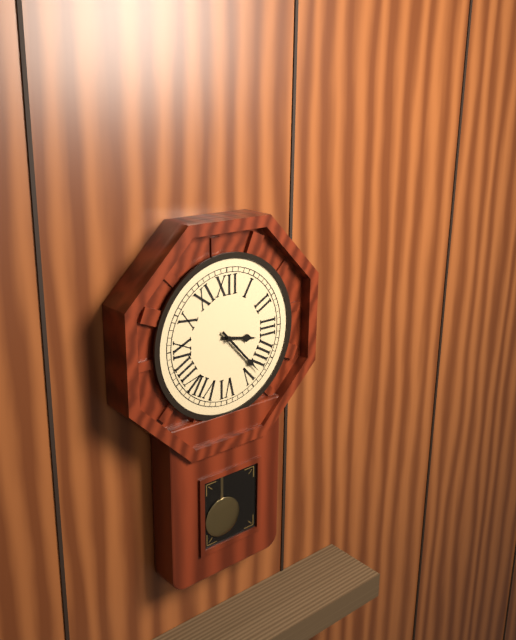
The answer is 3:23
